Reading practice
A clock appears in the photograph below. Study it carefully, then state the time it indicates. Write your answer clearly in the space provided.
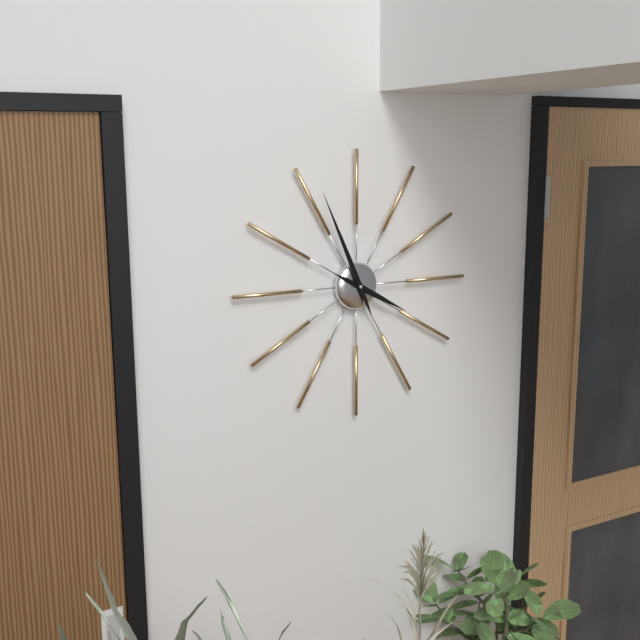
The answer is 3:56
